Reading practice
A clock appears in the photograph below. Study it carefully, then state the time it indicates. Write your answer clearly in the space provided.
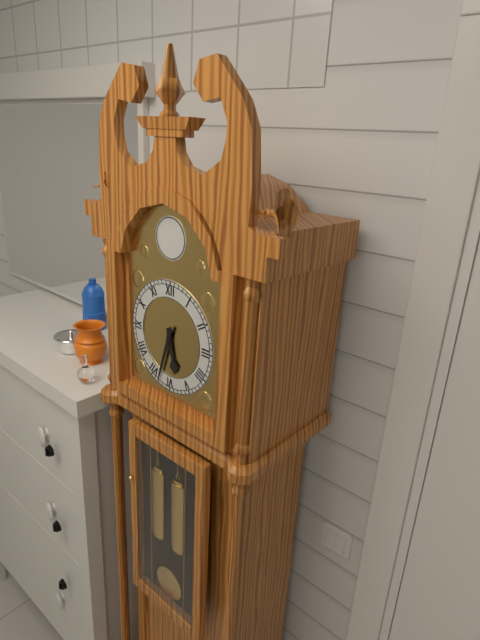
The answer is 5:33
